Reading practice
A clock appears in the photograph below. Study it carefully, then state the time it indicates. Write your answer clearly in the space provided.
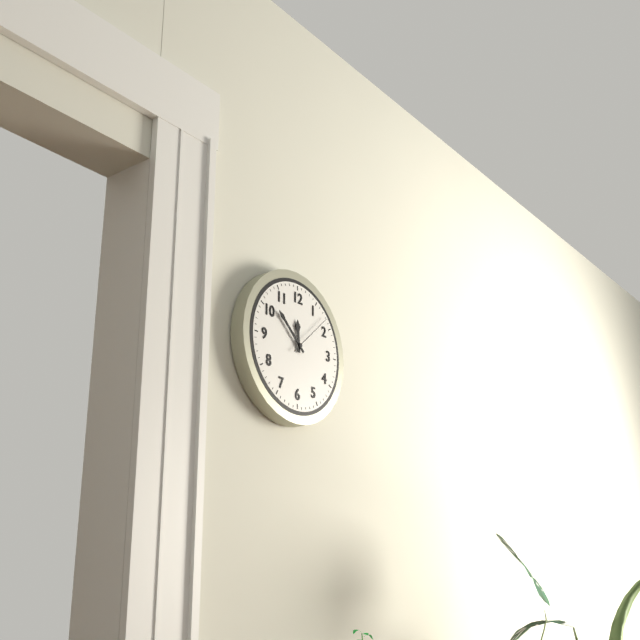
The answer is 11:52
